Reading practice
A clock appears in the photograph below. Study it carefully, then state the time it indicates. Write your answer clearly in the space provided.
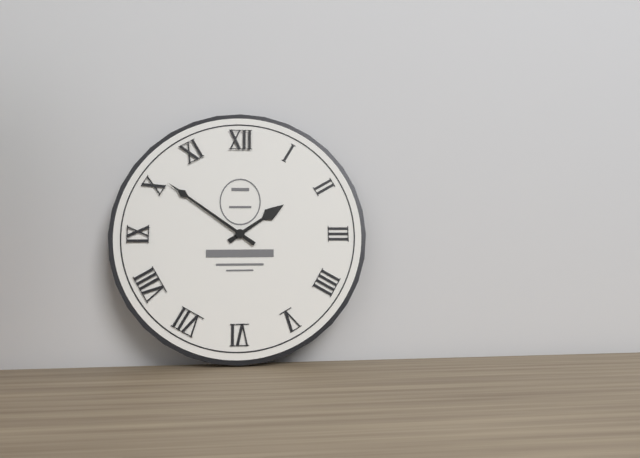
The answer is 1:51
